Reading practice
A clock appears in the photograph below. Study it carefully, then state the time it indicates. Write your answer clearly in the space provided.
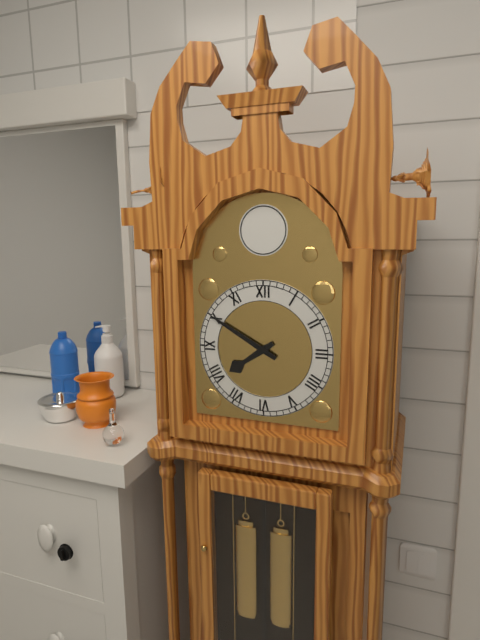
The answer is 7:50
